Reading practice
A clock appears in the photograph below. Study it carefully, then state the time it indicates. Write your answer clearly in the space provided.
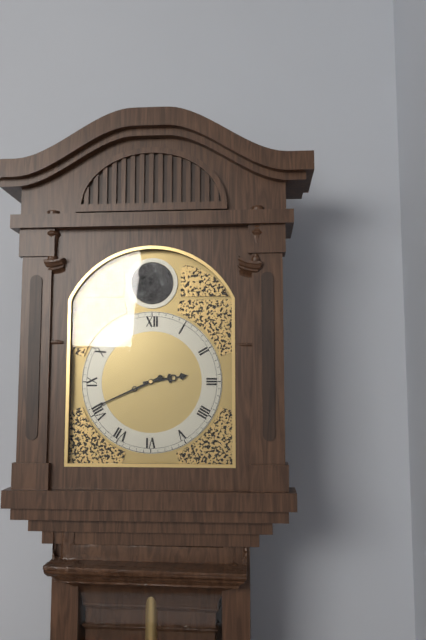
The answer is 2:41
